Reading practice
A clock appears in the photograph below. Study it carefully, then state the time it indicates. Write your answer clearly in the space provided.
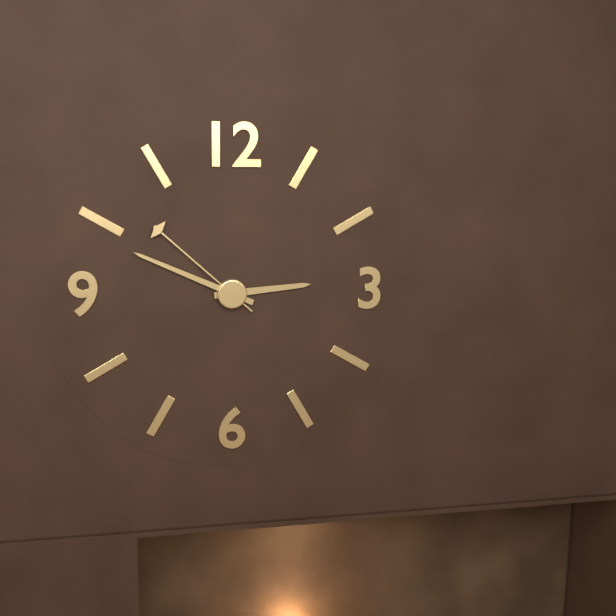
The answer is 2:49:52
